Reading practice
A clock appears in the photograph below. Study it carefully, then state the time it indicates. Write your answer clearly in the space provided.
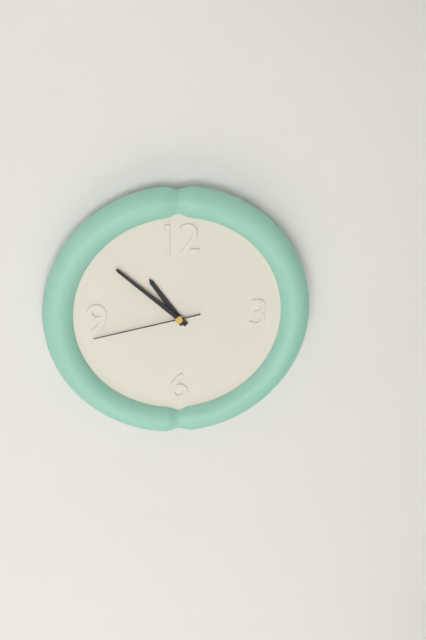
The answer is 10:52:43
